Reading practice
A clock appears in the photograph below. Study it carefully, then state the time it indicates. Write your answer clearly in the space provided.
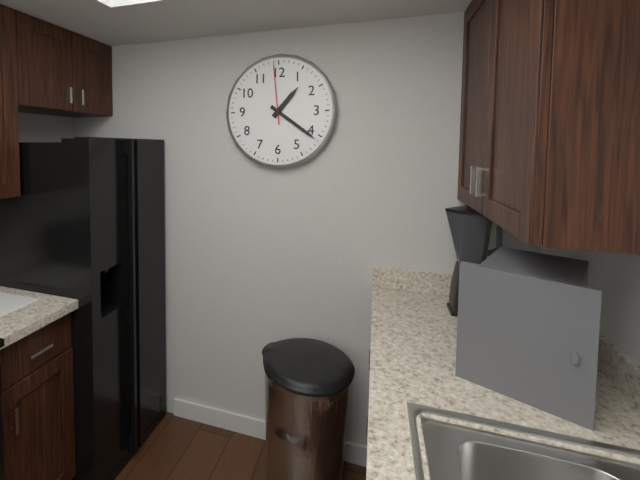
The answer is 1:21:59
